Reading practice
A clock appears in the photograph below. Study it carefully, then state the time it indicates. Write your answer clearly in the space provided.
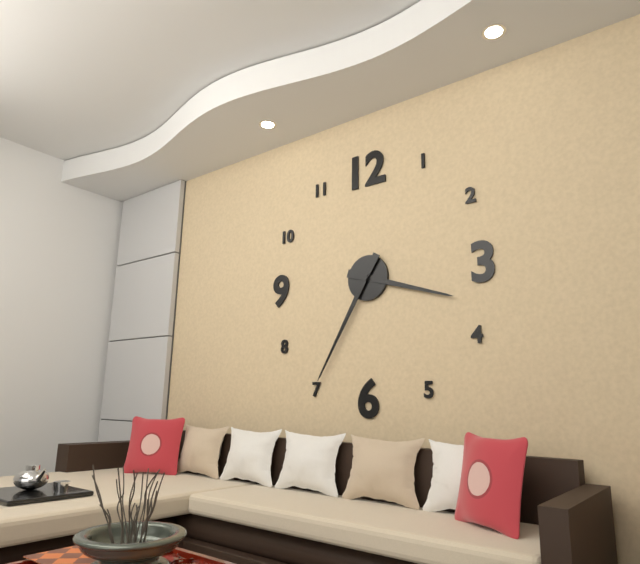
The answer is 3:35
